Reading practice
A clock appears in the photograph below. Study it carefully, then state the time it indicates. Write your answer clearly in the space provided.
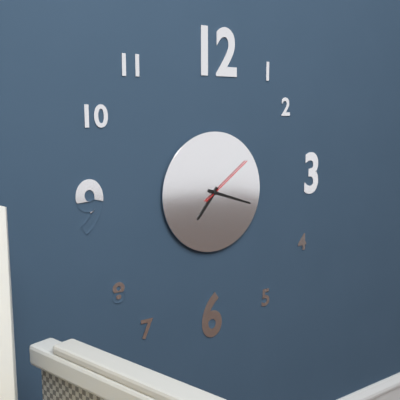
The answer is 7:18:09
